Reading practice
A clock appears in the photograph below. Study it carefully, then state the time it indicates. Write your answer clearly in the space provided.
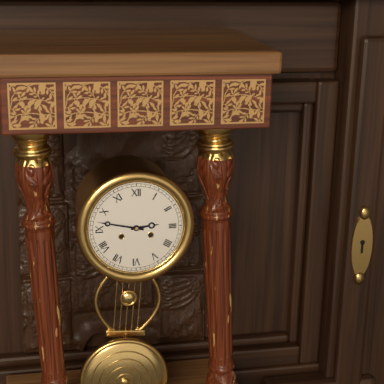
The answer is 2:47
